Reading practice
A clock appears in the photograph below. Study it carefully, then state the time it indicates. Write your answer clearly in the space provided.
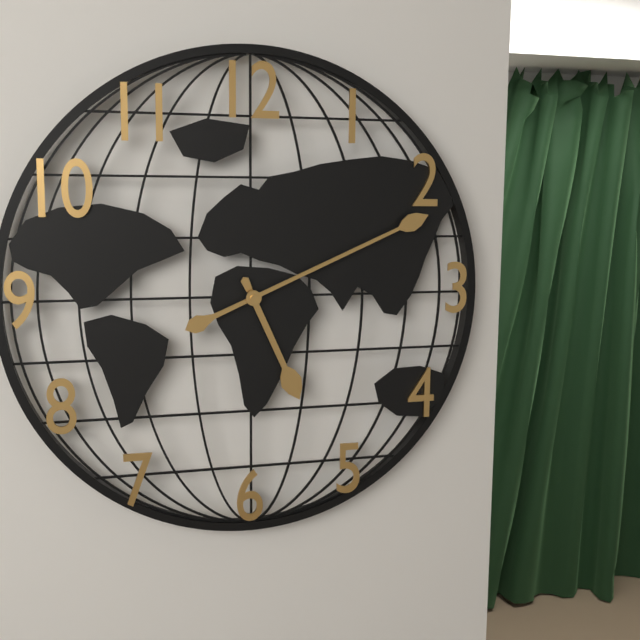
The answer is 5:11
